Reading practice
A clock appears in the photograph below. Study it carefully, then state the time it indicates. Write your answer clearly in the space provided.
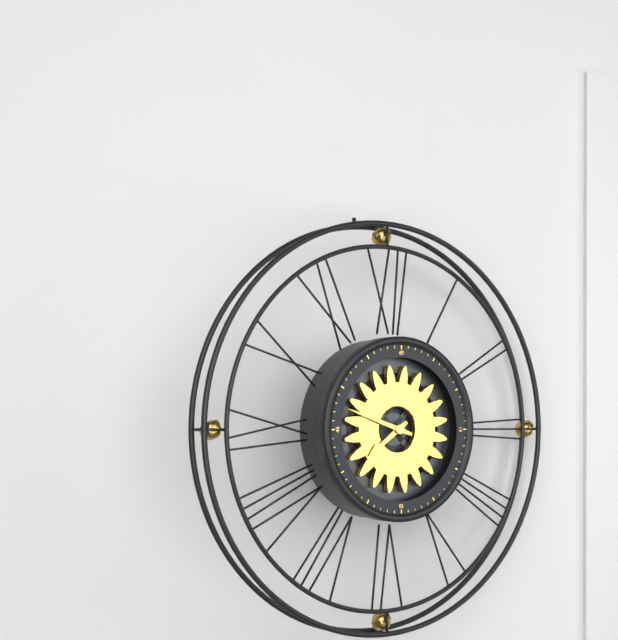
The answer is 7:48
